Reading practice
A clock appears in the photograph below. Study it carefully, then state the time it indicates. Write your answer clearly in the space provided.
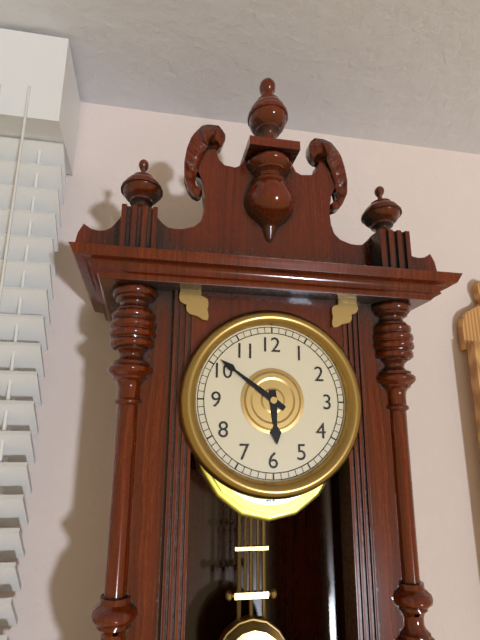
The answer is 5:51
